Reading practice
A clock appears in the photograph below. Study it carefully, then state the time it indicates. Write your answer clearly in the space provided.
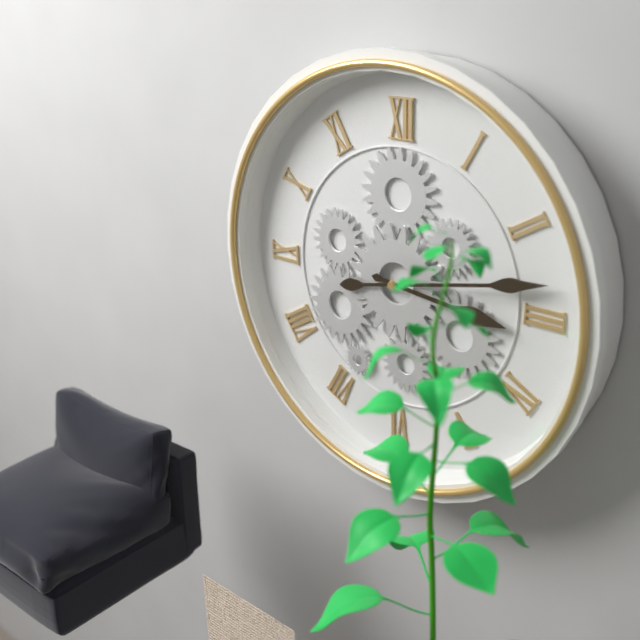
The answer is 3:13
